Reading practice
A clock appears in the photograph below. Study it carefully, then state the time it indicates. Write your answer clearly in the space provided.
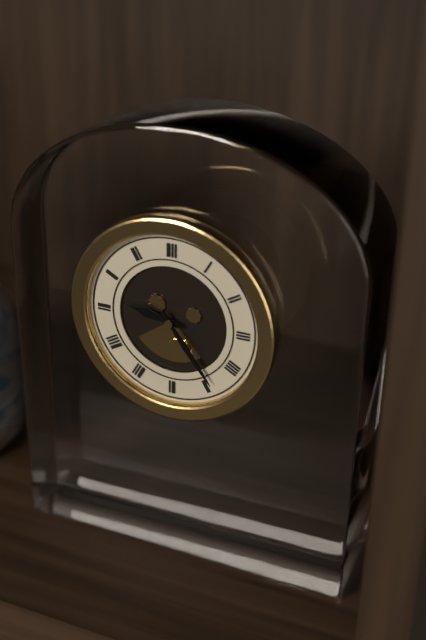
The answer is 9:24
